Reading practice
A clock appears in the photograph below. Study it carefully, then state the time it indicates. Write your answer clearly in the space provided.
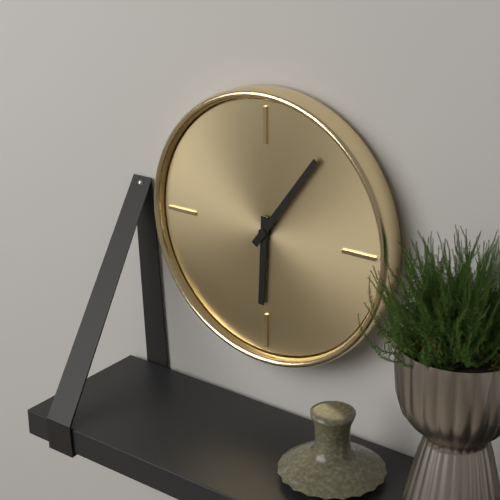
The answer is 6:06
